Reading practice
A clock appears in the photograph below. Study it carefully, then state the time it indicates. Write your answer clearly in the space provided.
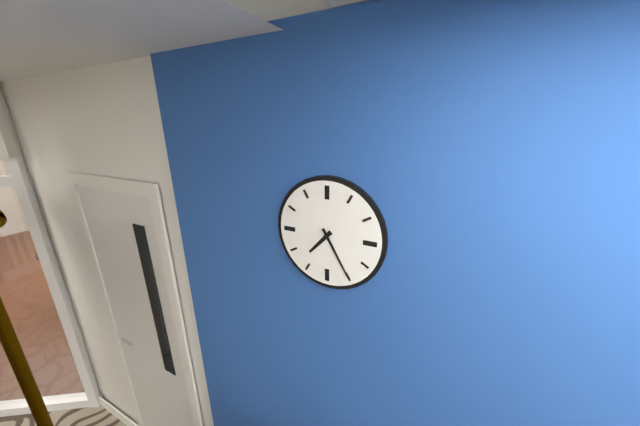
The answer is 7:25
